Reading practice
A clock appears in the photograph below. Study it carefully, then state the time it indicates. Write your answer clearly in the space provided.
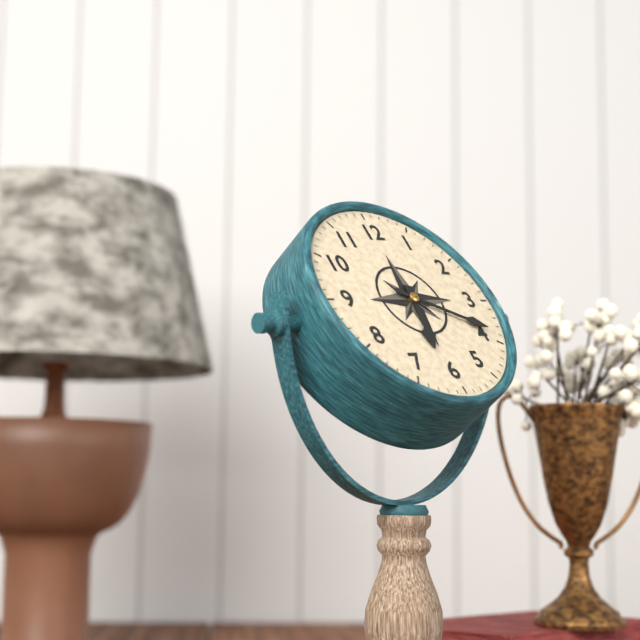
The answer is 6:19
